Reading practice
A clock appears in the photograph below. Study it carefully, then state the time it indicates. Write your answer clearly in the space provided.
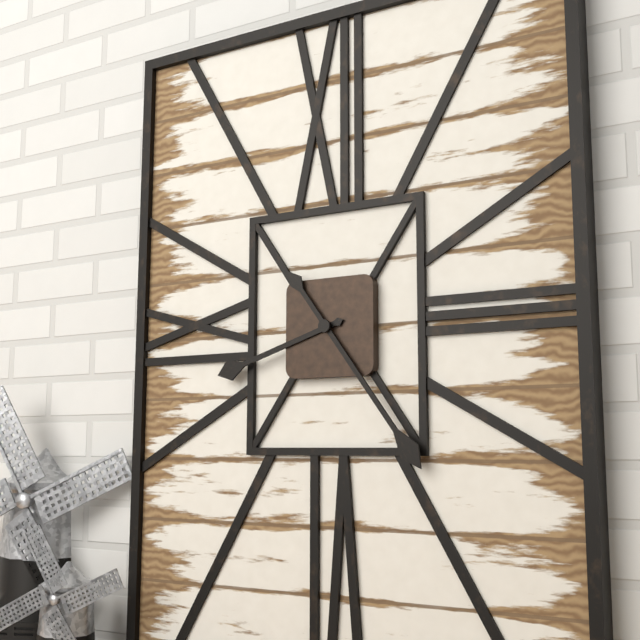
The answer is 8:24
